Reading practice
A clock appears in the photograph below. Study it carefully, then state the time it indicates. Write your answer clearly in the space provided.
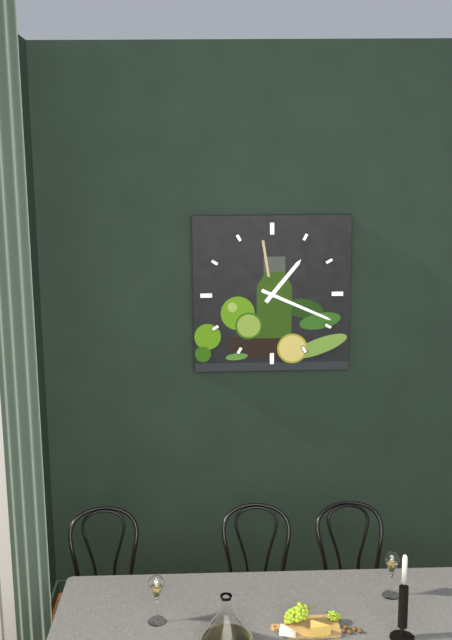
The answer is 1:19
